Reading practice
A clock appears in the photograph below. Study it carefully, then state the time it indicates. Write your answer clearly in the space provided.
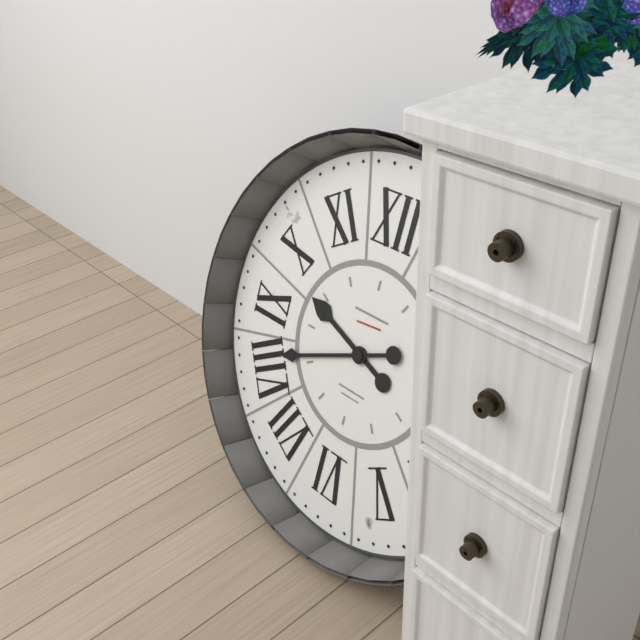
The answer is 9:41
